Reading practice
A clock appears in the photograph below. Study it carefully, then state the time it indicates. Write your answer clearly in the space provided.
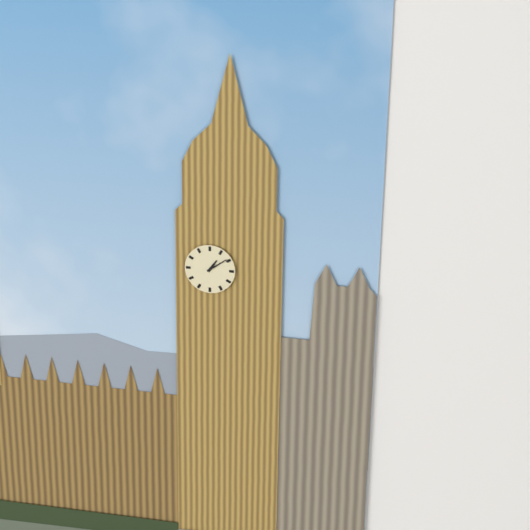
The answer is 1:09
